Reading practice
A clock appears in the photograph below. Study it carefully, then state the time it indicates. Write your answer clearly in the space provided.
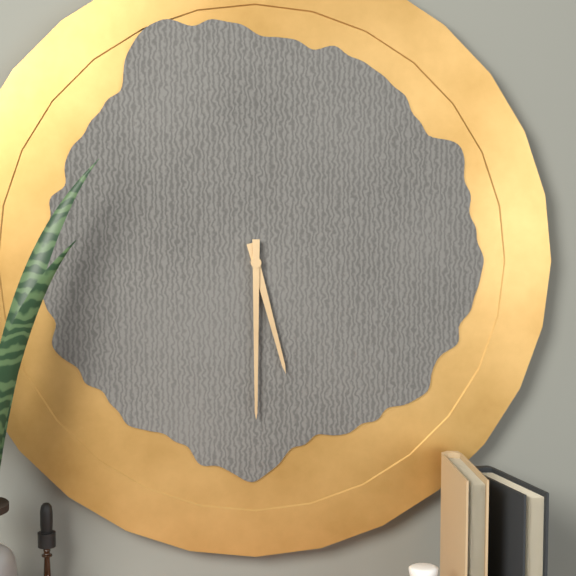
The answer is 5:30
